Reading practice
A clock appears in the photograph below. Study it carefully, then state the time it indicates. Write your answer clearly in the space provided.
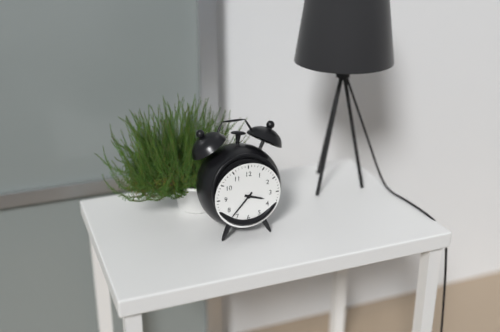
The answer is 3:37
